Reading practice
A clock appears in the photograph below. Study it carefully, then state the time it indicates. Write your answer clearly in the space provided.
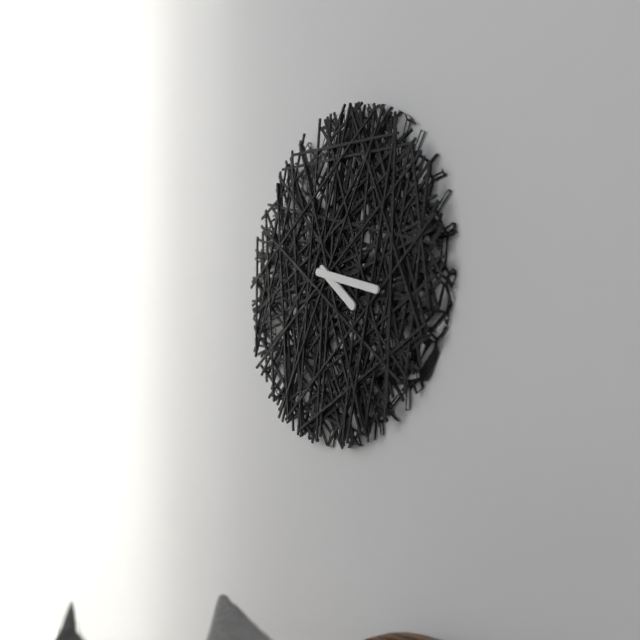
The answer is 4:18
